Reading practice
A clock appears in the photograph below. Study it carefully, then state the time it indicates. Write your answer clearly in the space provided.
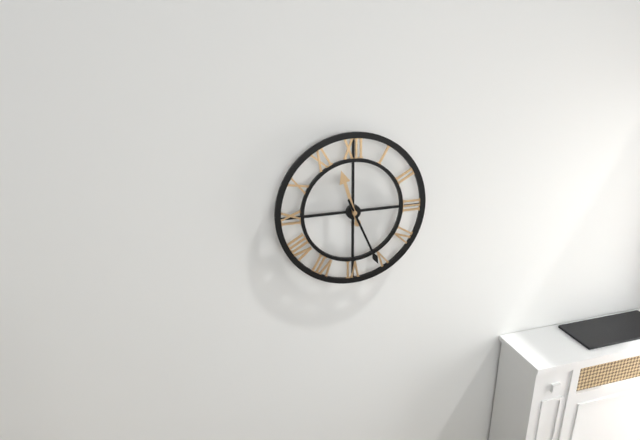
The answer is 11:26
